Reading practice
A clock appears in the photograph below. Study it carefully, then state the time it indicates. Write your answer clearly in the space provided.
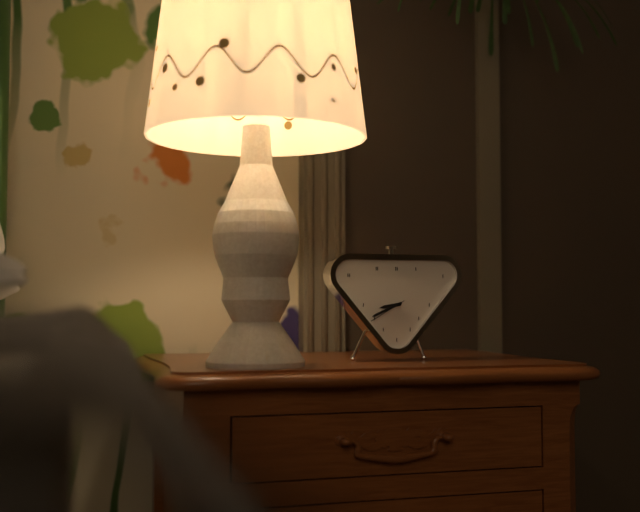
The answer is 8:41
